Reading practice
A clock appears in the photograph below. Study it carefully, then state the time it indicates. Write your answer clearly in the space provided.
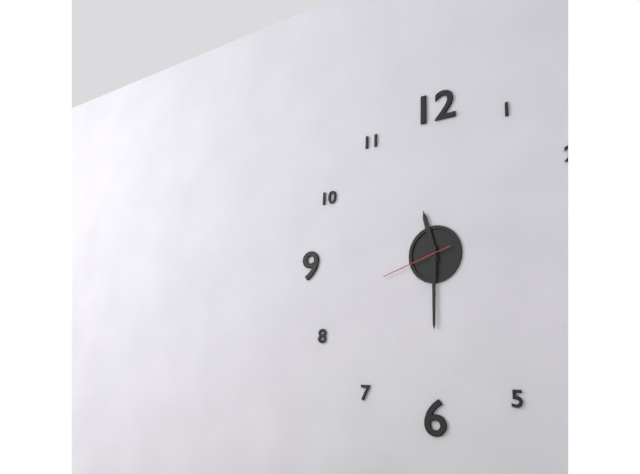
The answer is 11:30:42
